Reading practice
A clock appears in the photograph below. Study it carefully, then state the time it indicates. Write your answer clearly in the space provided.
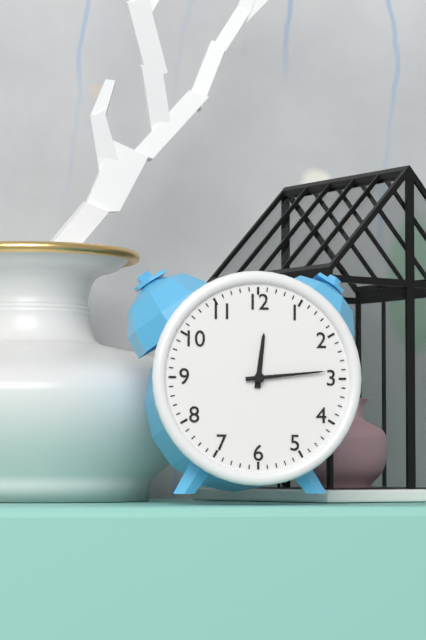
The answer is 12:14
